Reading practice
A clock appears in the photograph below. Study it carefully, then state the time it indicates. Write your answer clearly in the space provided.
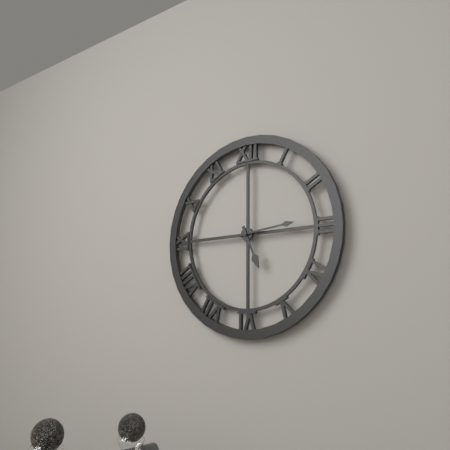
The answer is 5:14
